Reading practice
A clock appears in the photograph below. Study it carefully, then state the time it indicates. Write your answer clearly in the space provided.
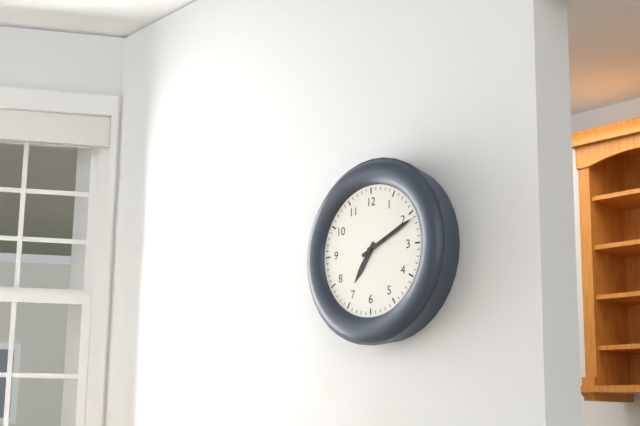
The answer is 7:11
